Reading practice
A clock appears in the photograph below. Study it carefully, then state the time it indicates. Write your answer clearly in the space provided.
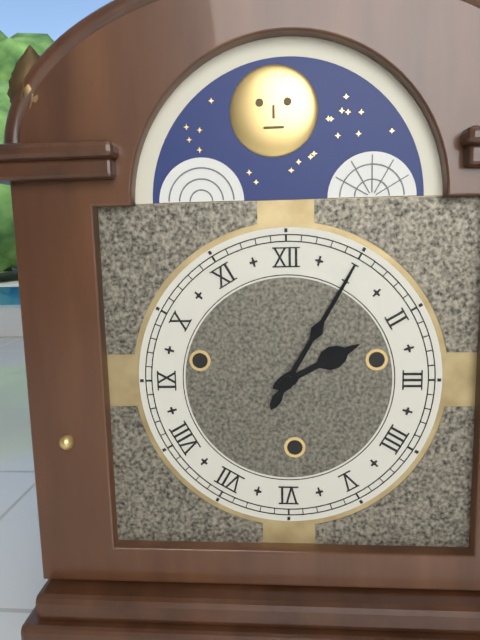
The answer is 2:05
